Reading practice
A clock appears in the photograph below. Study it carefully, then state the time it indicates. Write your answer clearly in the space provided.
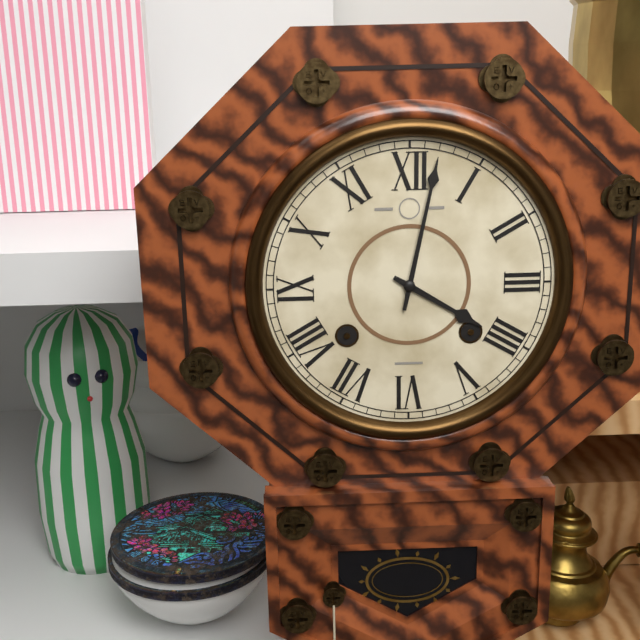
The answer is 4:02
